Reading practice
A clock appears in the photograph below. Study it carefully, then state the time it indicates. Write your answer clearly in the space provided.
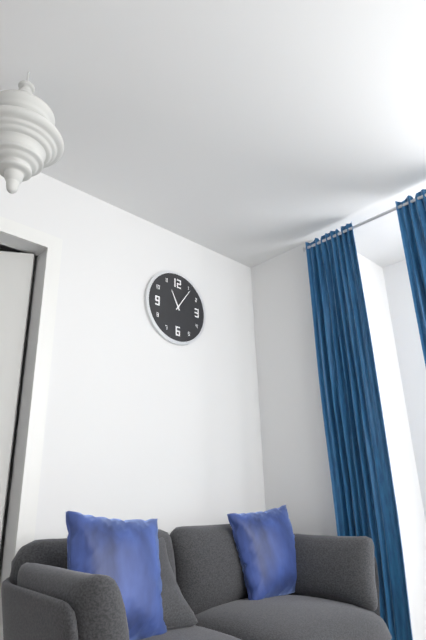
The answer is 11:06
